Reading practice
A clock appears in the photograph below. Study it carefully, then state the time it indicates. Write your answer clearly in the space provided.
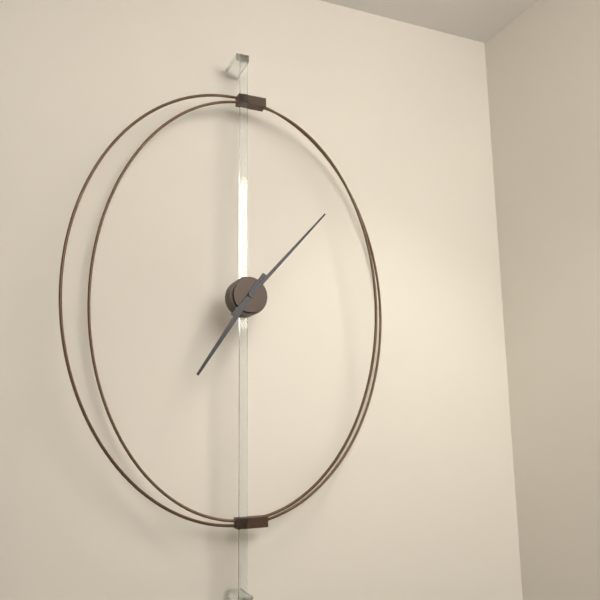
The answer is 7:07
